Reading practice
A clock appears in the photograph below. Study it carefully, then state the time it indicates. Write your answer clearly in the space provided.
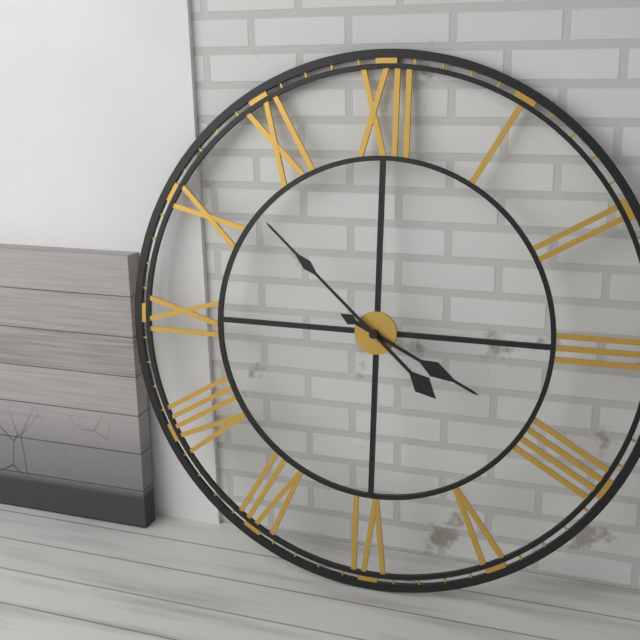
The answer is 3:52
